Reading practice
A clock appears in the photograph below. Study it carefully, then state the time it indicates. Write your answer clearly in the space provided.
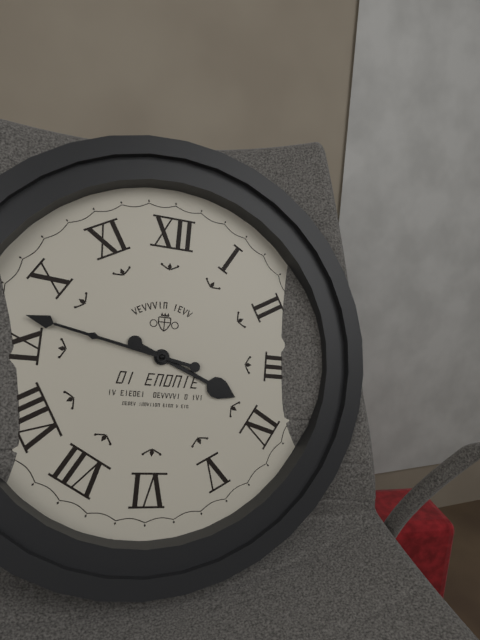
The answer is 3:47
